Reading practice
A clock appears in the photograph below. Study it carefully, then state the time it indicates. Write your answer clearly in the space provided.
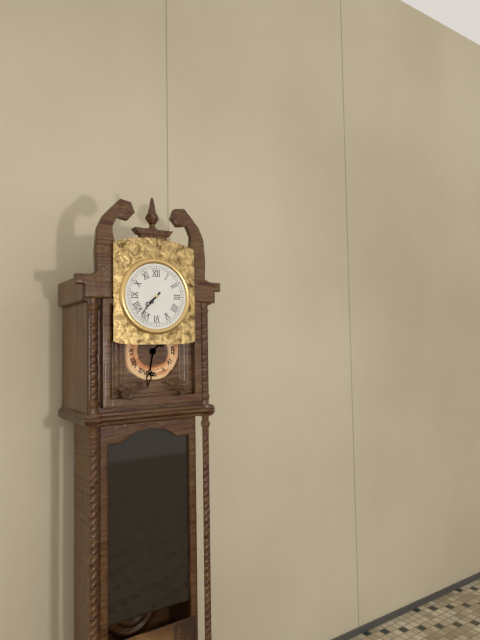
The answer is 7:37
